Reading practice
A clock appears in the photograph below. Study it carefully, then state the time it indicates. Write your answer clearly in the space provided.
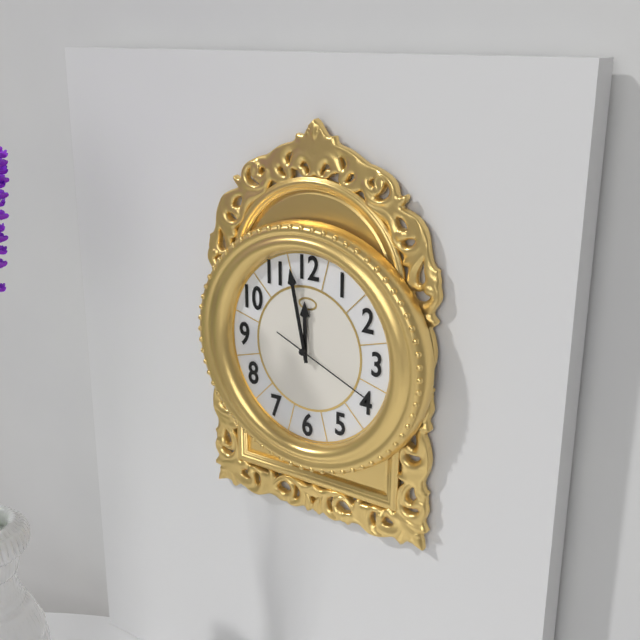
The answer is 11:58:19
